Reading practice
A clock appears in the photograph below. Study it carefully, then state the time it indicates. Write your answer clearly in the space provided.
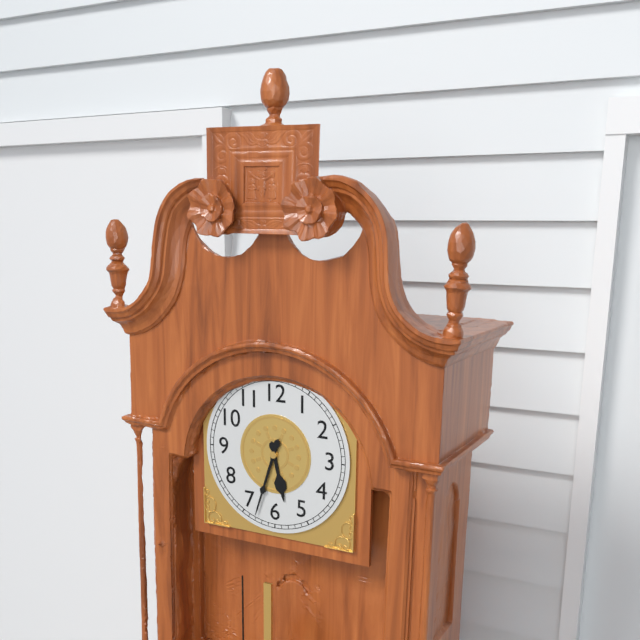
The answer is 5:33
